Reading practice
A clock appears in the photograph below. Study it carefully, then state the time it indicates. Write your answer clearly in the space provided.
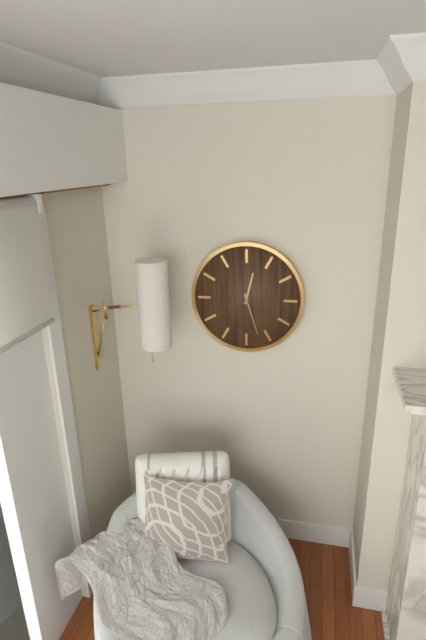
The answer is 12:27
